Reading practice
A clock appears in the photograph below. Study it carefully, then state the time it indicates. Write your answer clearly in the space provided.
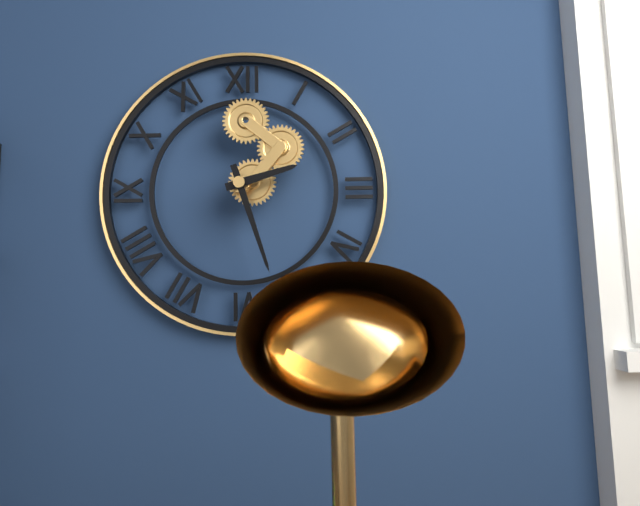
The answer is 2:27
